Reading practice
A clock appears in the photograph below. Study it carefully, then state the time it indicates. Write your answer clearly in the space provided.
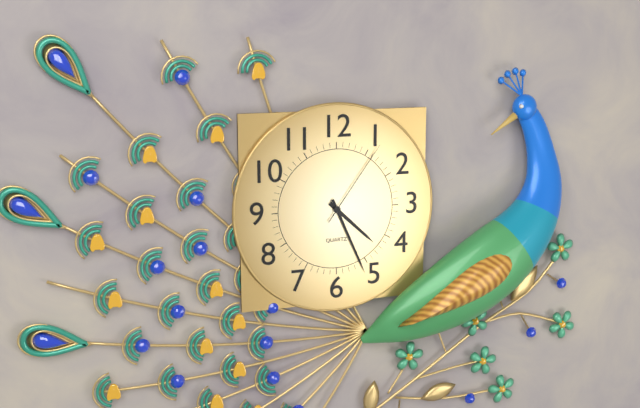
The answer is 4:26:06
